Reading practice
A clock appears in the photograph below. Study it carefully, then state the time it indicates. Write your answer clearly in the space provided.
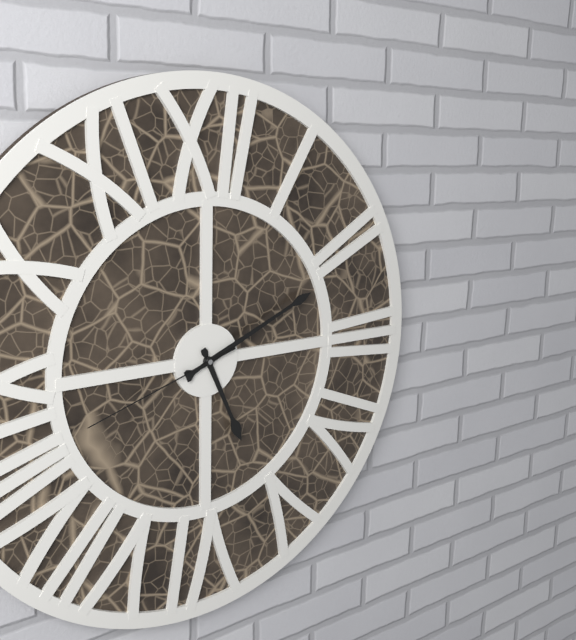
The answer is 5:11:42
